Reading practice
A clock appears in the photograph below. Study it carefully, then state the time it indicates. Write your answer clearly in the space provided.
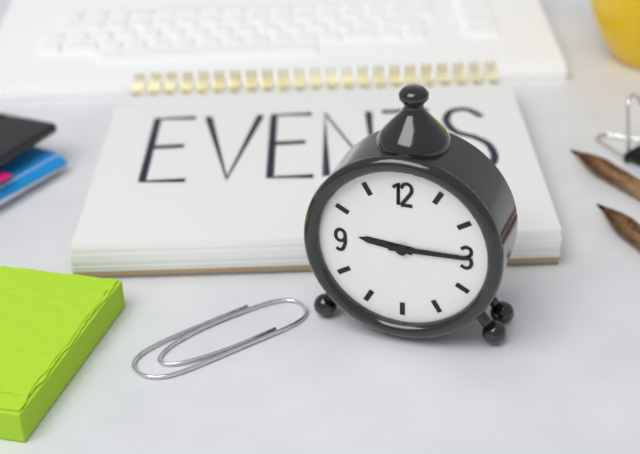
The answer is 9:15
